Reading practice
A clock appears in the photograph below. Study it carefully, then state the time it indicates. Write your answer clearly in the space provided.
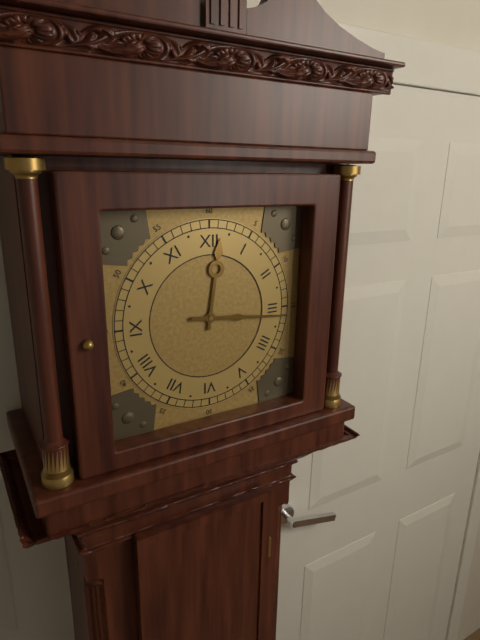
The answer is 12:16
